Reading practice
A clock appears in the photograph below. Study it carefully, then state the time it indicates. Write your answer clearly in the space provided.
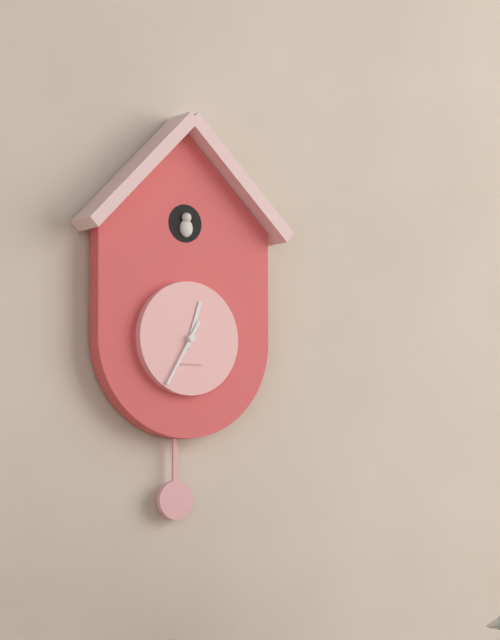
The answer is 12:35
